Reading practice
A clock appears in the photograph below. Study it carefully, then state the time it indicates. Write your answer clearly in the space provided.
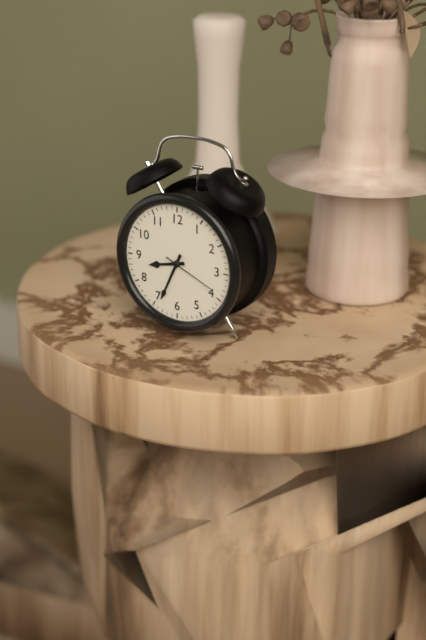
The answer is 8:34:19
